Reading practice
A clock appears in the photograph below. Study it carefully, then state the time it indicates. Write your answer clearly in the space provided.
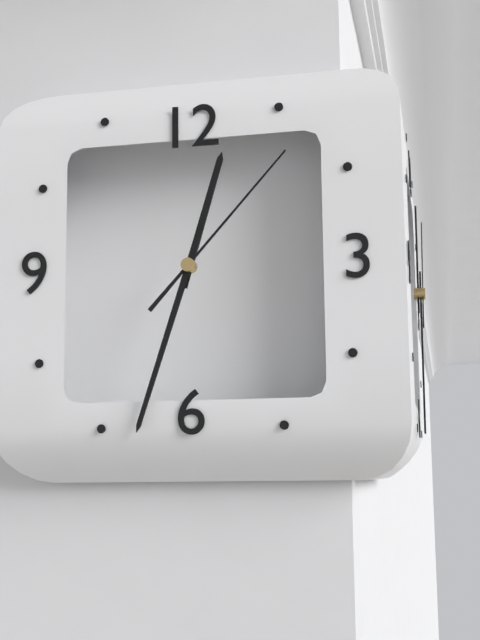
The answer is 12:33:07
